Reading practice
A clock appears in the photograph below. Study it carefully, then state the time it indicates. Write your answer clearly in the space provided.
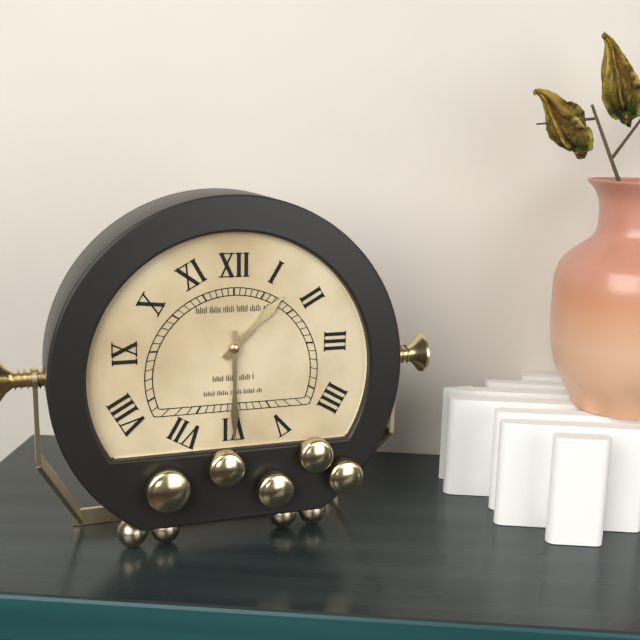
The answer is 1:30
